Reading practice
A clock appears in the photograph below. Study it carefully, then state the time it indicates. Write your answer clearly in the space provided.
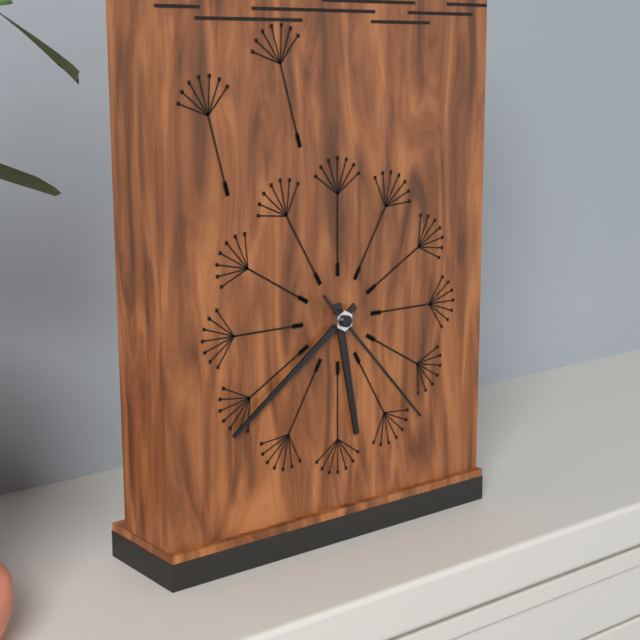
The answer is 5:39:23
